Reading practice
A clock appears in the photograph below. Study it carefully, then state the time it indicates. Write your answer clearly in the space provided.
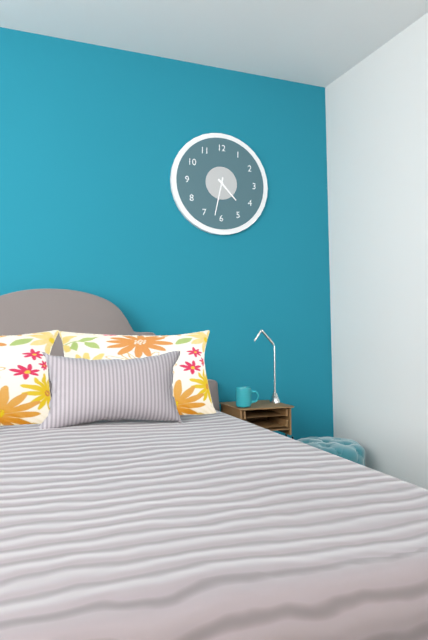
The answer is 4:32
